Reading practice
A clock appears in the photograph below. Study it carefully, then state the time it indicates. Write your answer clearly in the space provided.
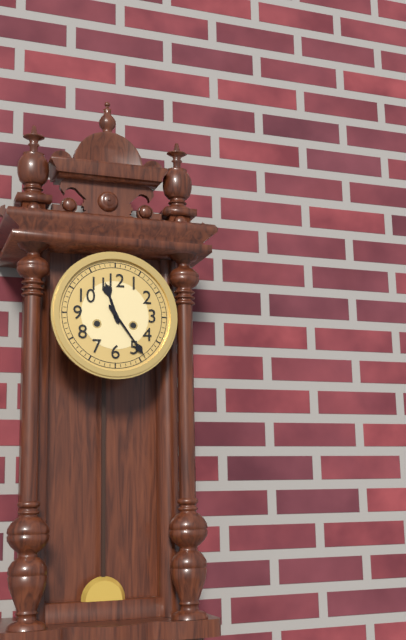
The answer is 11:24
